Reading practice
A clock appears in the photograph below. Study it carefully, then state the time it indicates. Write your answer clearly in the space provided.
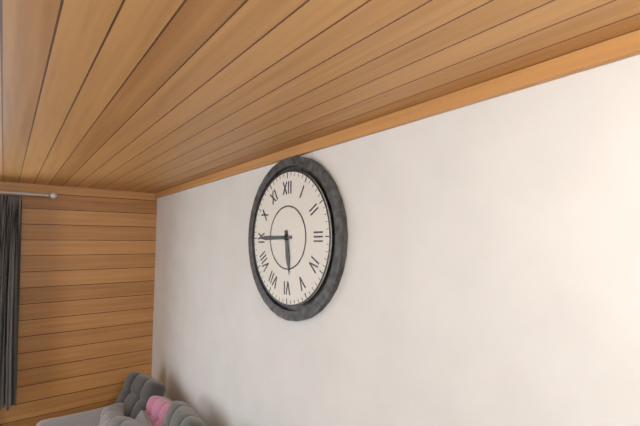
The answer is 5:45
